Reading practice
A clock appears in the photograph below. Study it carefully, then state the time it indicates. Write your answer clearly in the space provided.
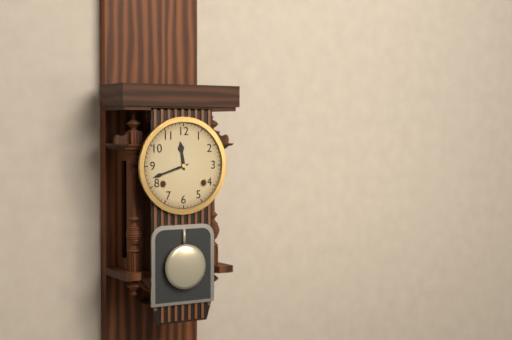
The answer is 11:42
